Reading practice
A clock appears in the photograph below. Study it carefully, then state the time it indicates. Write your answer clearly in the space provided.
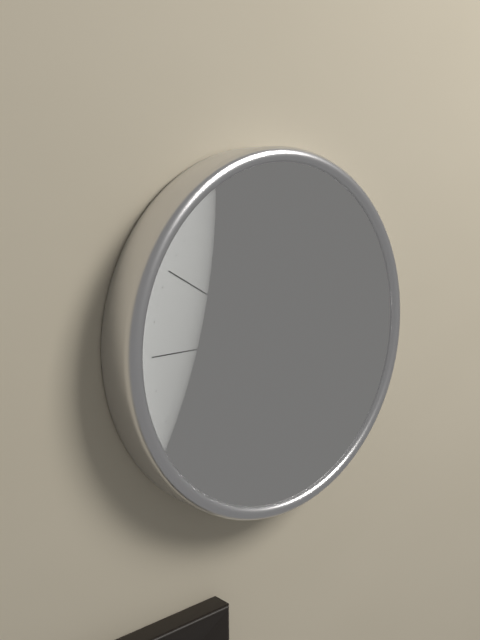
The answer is 11:18
